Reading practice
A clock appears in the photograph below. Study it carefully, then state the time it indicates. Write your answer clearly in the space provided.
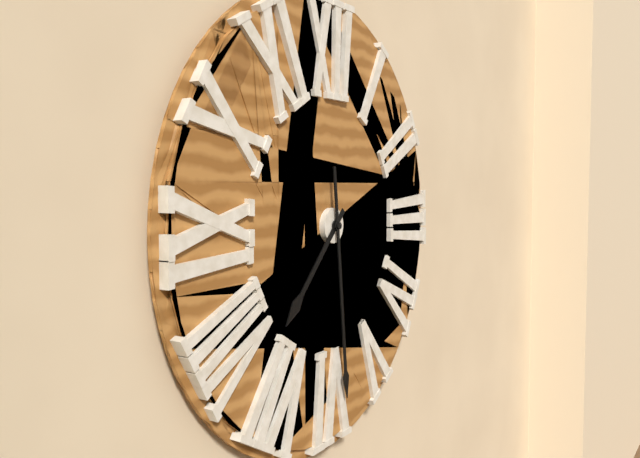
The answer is 7:29
